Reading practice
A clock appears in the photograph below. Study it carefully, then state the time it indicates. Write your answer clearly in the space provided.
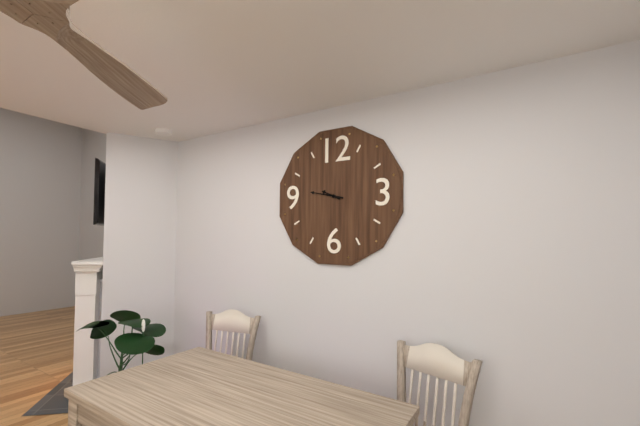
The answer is 9:47
